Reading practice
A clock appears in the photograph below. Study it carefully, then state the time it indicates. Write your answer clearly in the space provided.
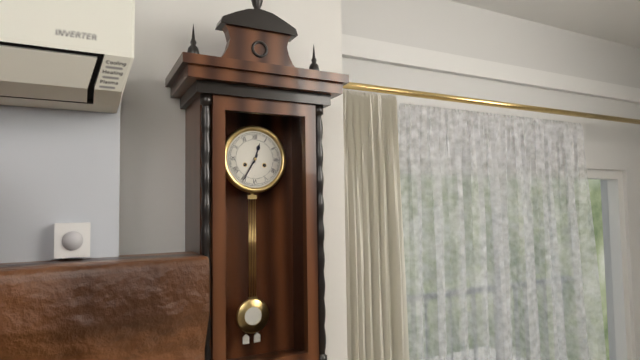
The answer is 12:35
